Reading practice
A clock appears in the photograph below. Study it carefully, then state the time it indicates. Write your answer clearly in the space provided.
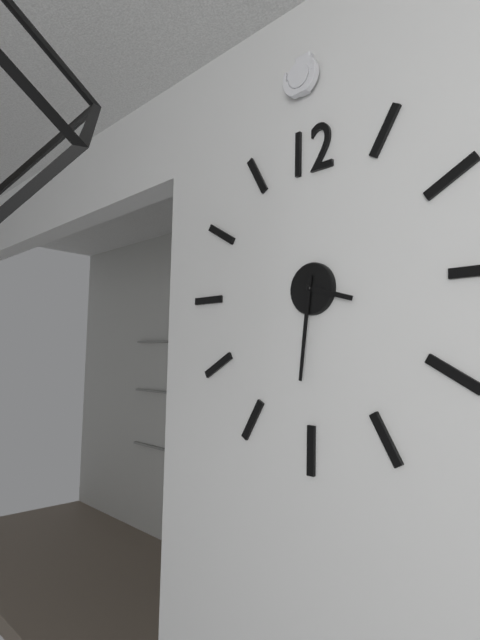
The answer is 3:31
